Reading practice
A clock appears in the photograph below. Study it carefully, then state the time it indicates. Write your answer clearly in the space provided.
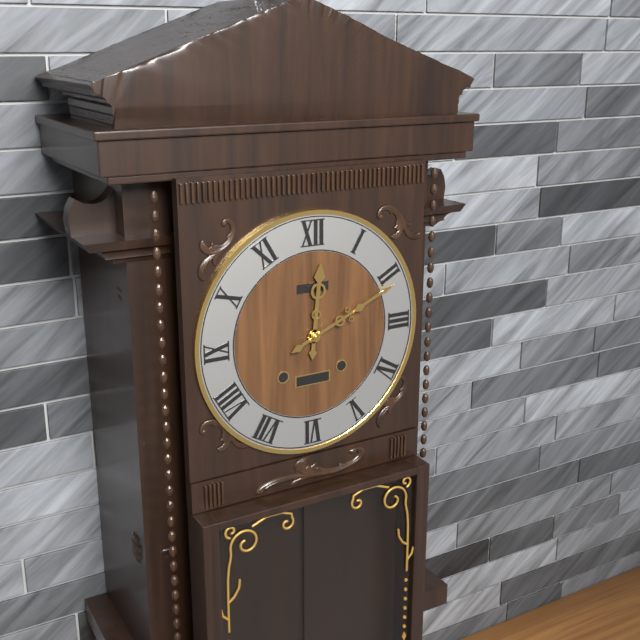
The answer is 12:11
